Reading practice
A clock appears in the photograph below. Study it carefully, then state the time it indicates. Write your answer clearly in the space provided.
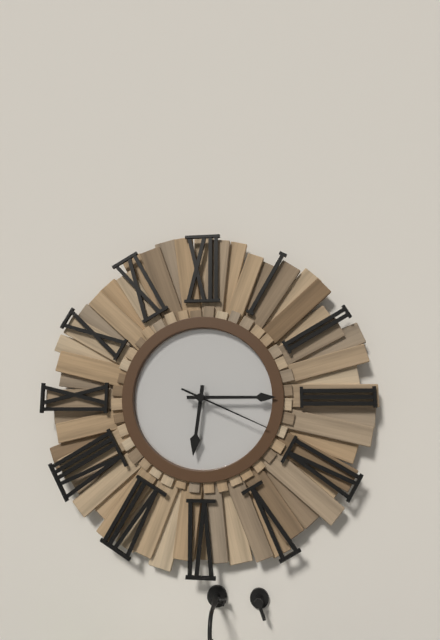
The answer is 6:15:19
